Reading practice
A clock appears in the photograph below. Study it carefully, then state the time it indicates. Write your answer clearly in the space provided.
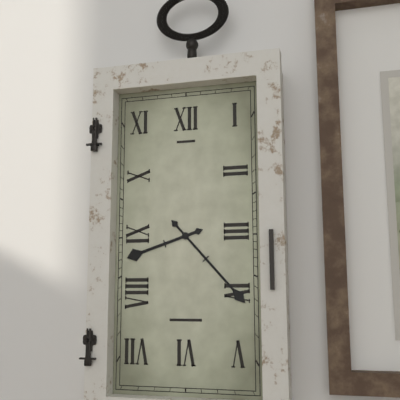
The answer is 8:23
